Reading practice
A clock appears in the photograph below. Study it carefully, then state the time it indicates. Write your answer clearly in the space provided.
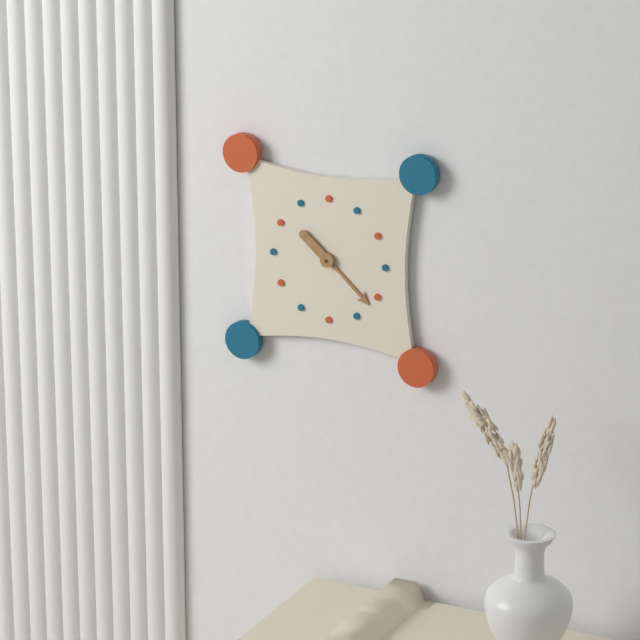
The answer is 10:22
